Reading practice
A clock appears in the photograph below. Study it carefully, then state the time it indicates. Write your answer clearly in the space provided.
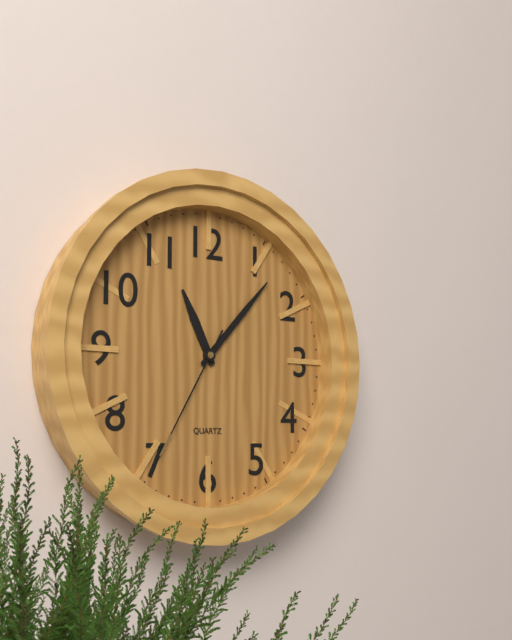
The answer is 11:07:35
